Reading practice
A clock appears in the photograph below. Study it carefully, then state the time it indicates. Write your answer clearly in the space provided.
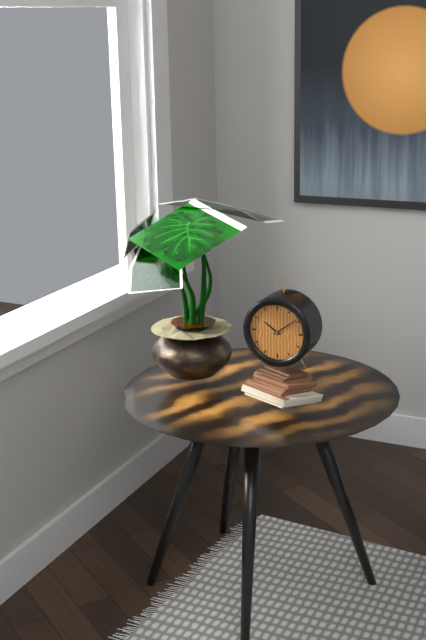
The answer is 10:09
